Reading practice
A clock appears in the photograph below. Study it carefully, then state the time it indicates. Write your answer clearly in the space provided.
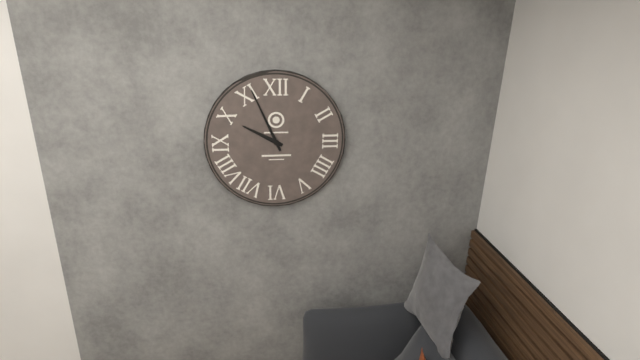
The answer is 9:56
